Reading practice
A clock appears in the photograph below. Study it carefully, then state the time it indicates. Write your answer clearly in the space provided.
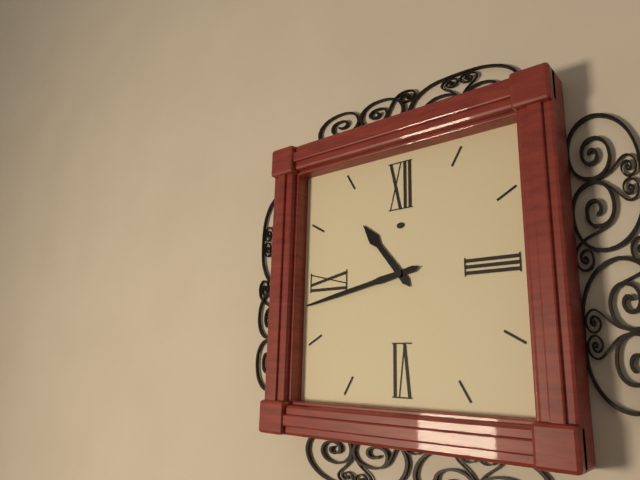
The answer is 10:43
